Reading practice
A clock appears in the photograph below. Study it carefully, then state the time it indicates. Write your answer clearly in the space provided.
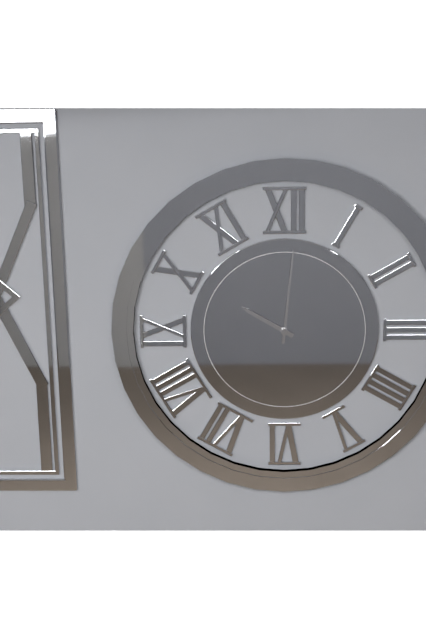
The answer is 10:01
